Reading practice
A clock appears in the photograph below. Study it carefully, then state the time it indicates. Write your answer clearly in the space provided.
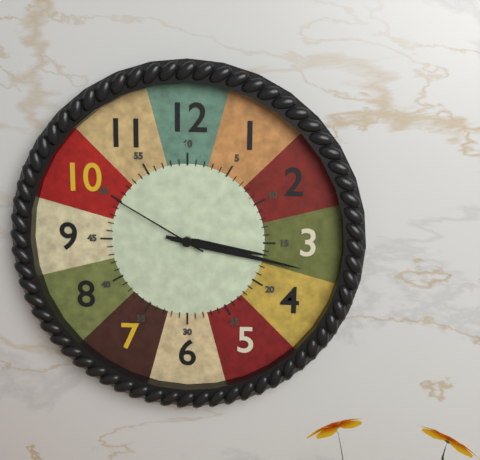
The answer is 3:17:50
